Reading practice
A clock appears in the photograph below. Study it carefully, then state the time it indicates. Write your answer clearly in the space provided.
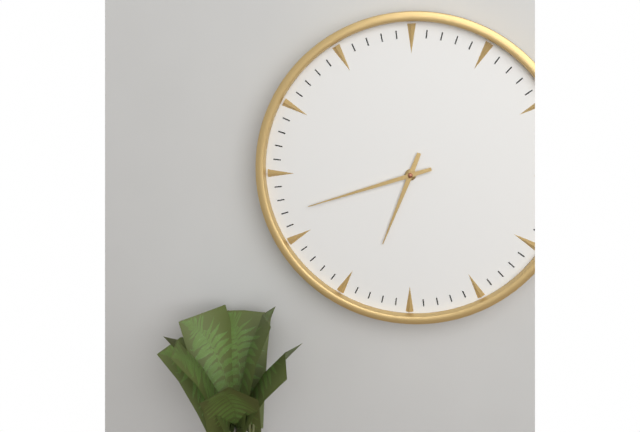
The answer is 6:42
